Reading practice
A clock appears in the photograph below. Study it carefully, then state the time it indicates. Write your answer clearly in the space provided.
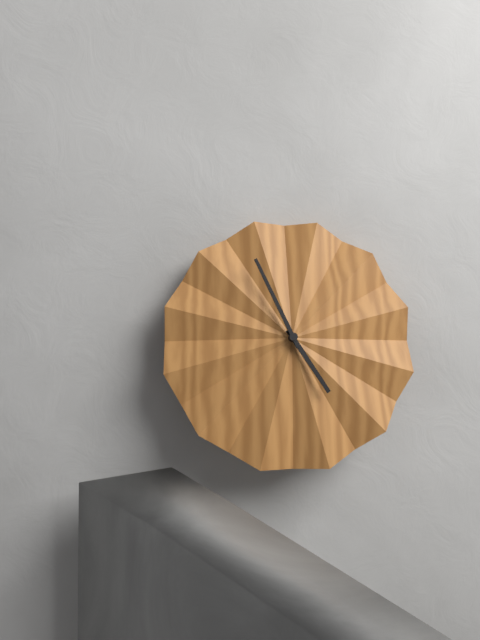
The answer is 4:56
